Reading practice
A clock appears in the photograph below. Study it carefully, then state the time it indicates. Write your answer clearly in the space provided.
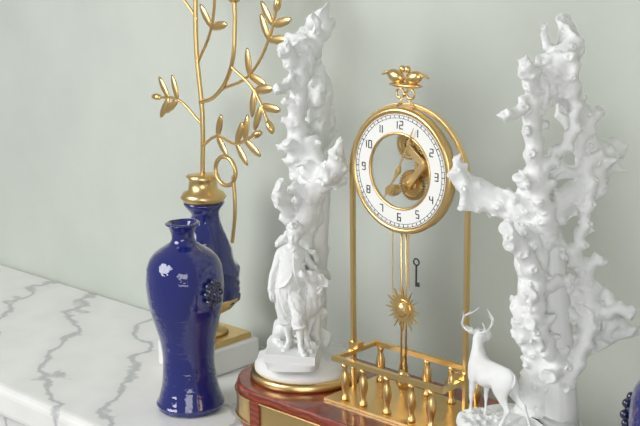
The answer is 7:04
